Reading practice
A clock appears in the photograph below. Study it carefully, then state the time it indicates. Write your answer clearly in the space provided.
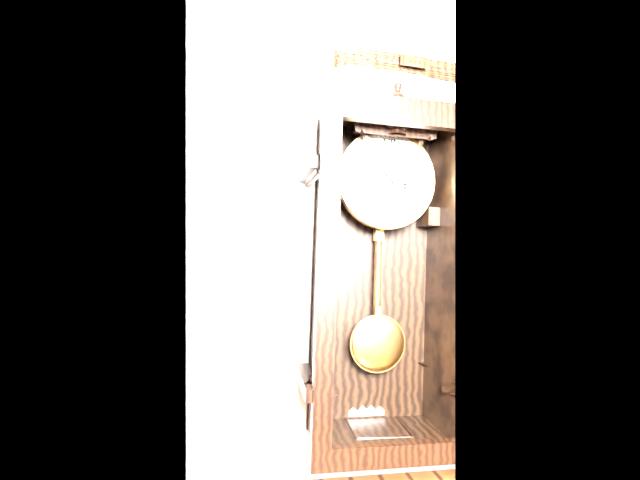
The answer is 7:53
